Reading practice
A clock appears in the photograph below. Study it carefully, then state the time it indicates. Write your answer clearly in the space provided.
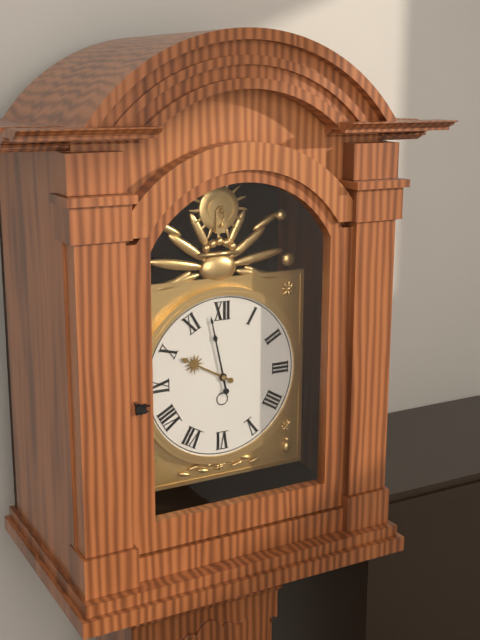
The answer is 9:58
